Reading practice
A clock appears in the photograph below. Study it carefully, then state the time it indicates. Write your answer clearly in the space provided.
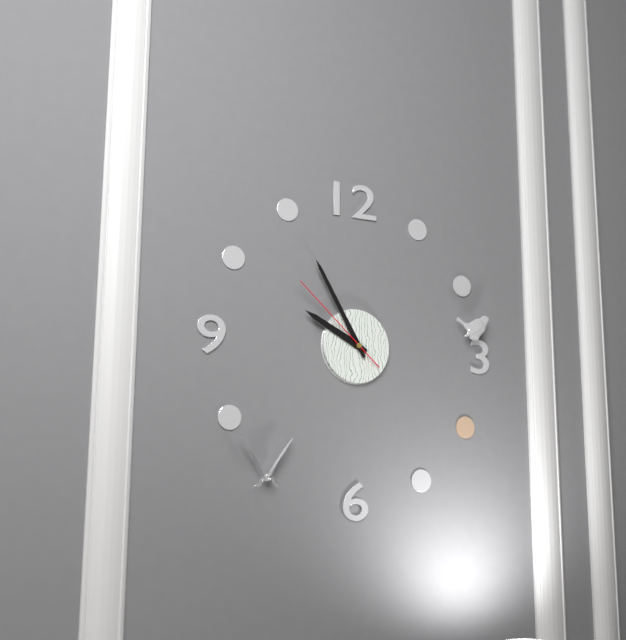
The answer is 9:55:52
